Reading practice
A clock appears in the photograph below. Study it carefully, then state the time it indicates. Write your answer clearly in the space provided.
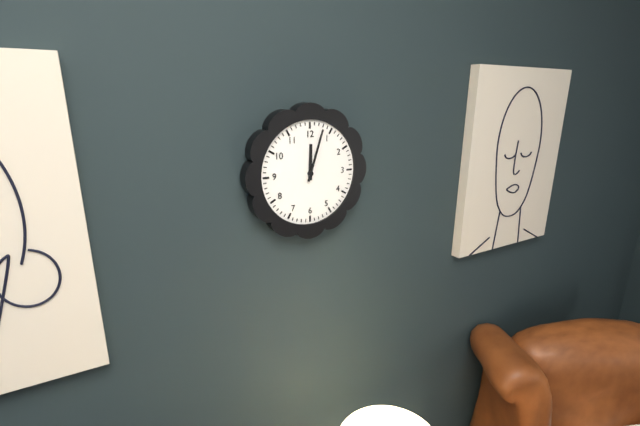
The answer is 12:03
